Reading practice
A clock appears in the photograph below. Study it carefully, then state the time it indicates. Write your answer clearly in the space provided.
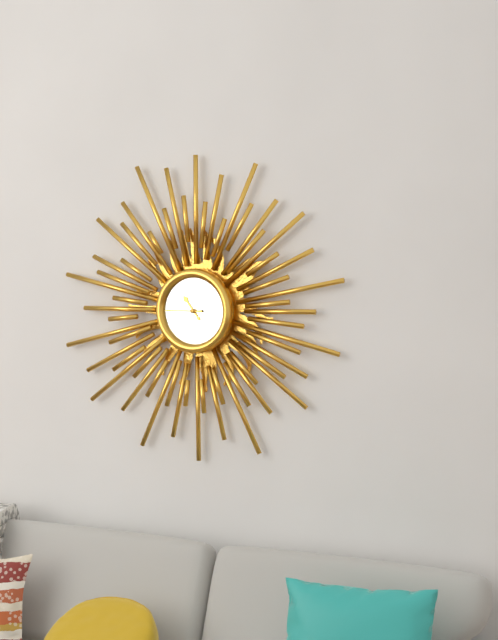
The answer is 10:45
